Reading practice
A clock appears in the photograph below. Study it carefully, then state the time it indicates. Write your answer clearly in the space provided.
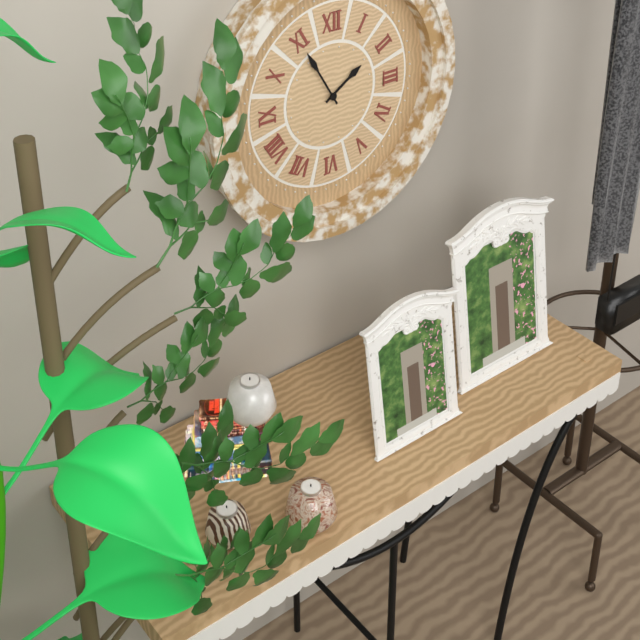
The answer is 1:55
